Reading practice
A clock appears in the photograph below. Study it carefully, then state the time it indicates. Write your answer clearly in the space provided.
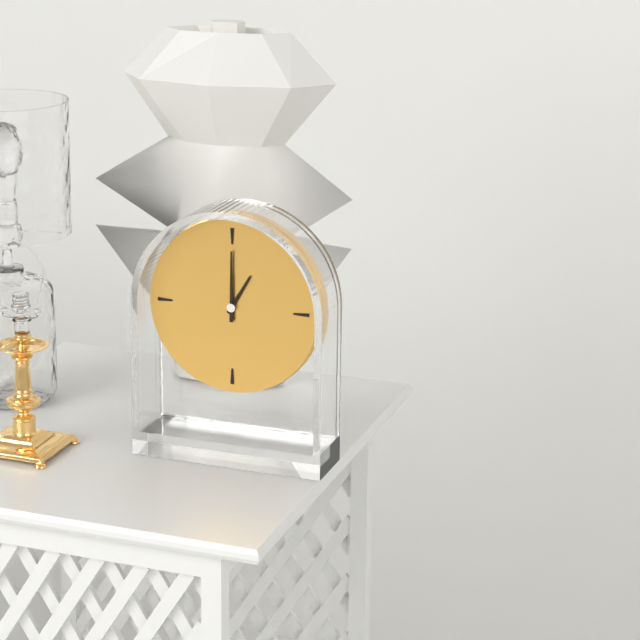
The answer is 1:00
